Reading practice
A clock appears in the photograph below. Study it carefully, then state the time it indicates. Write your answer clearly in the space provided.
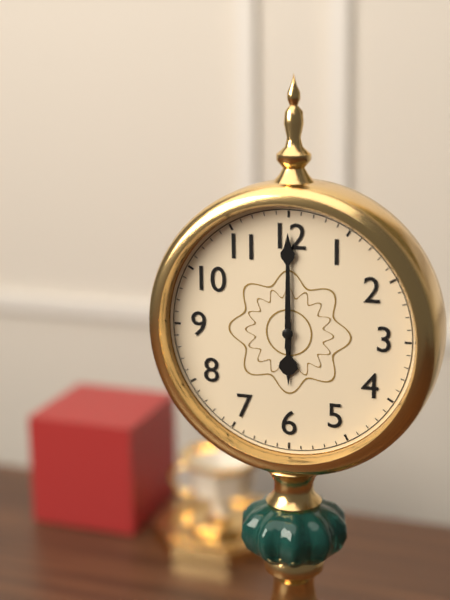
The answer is 6:00
